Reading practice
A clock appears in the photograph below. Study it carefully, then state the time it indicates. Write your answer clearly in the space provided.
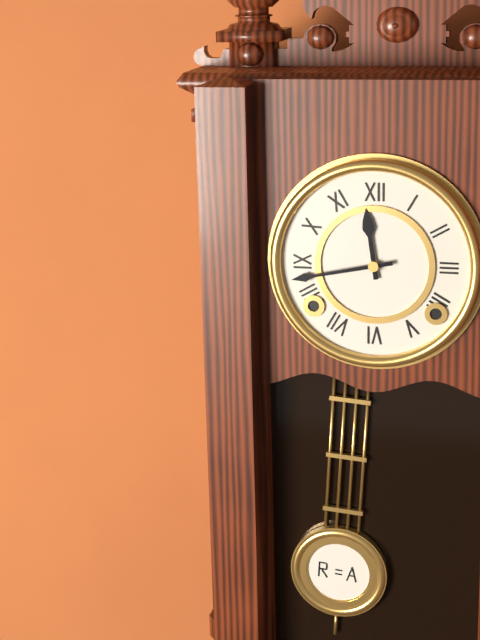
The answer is 11:43
